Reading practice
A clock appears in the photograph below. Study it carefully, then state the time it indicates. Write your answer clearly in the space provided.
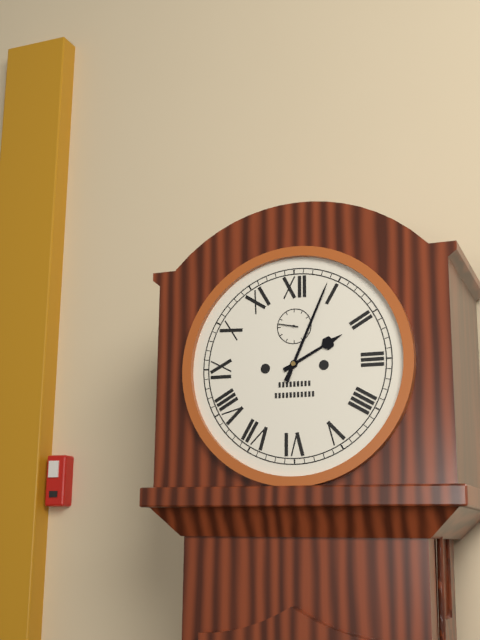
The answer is 2:04
